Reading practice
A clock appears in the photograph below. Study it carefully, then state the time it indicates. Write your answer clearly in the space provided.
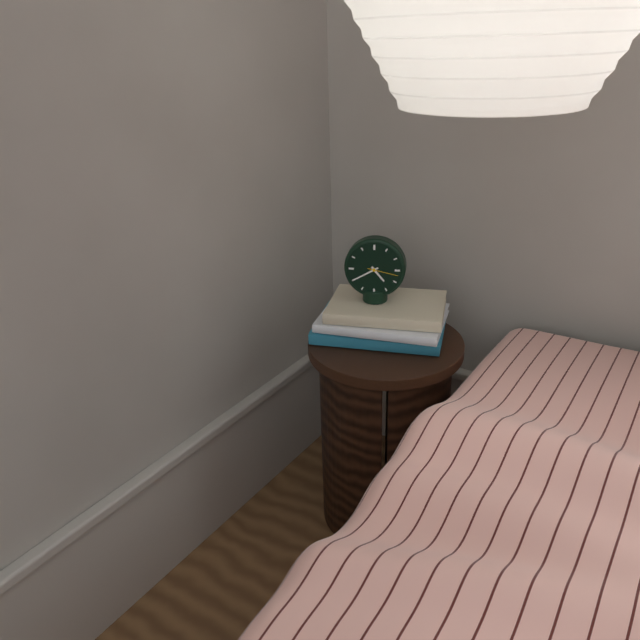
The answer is 4:40
